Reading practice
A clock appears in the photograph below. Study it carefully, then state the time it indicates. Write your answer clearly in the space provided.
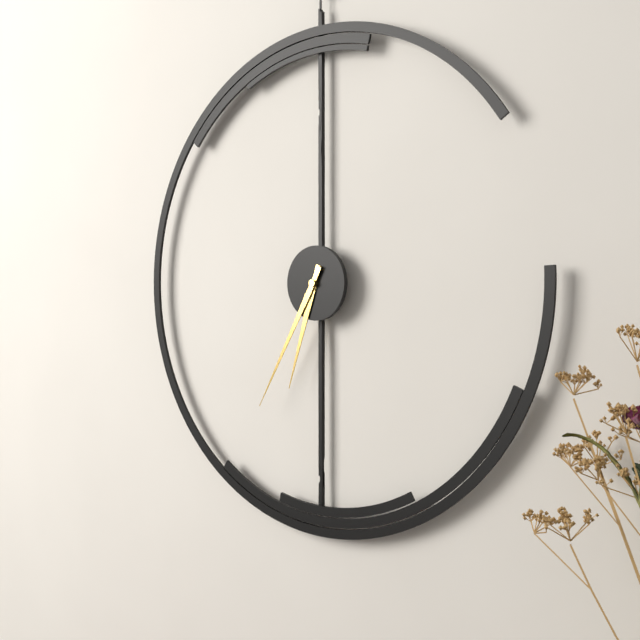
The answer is 6:35
